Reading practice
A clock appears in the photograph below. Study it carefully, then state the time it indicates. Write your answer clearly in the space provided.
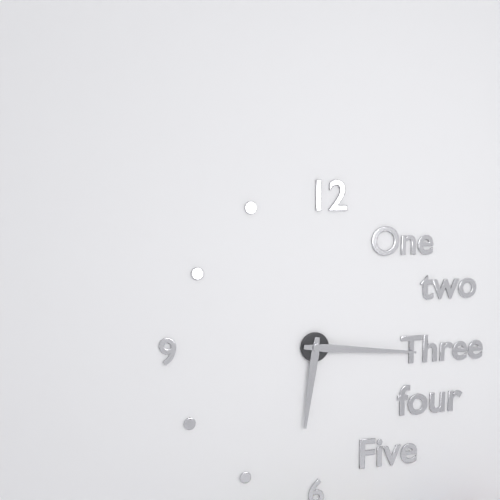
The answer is 6:16
